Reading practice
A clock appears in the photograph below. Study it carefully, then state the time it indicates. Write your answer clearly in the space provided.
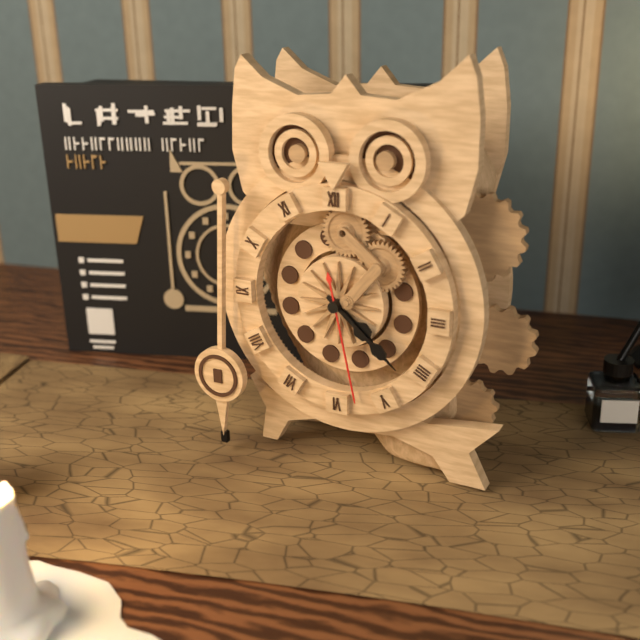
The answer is 4:22:28
